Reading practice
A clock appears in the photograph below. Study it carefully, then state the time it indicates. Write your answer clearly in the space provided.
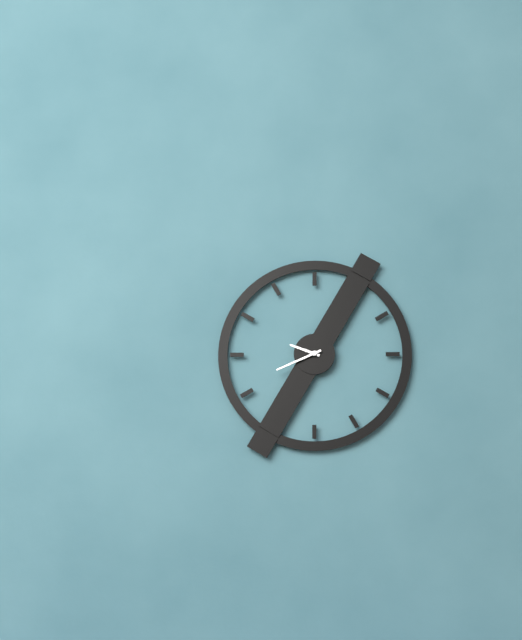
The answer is 9:41
